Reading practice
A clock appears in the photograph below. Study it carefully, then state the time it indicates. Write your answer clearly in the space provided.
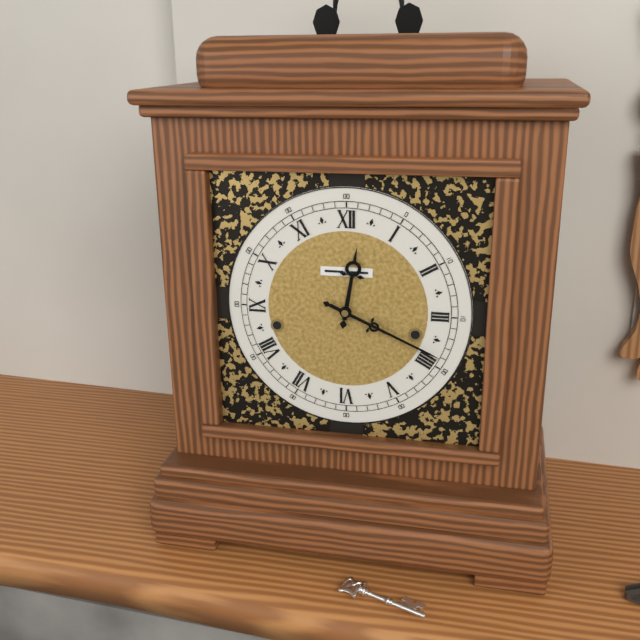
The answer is 12:19
